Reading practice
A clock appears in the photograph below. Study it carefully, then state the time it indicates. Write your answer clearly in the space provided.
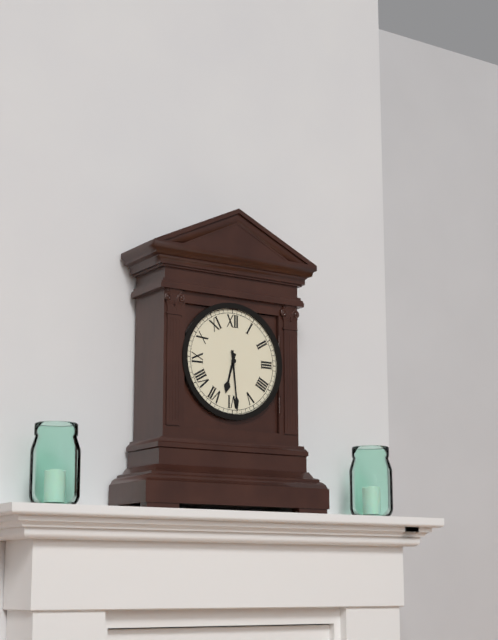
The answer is 6:29
